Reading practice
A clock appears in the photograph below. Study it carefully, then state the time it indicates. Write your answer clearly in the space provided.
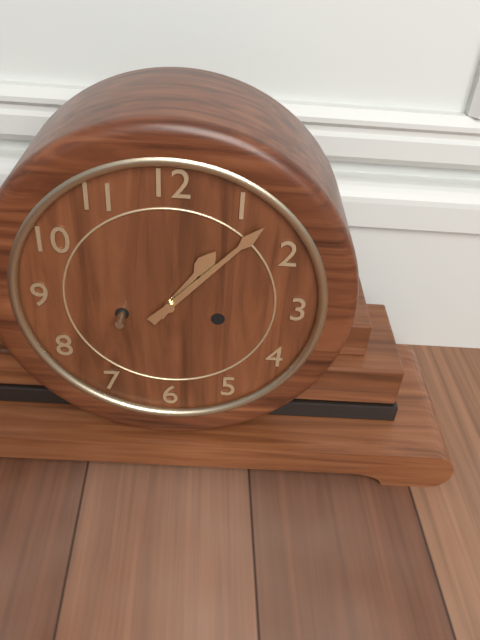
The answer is 1:07
